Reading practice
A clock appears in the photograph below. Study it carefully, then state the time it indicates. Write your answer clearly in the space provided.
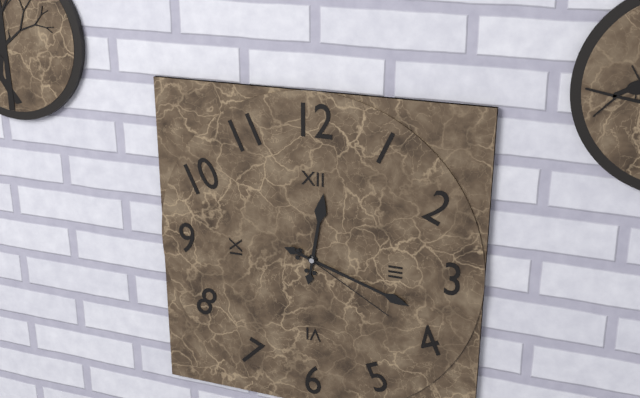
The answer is 12:18:20
